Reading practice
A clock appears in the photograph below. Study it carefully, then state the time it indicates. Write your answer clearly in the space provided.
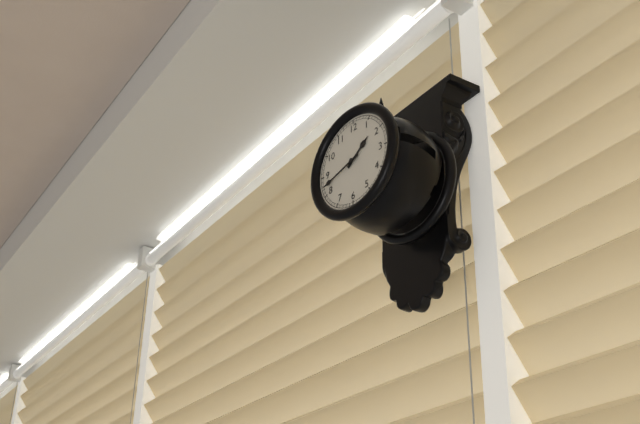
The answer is 1:42
